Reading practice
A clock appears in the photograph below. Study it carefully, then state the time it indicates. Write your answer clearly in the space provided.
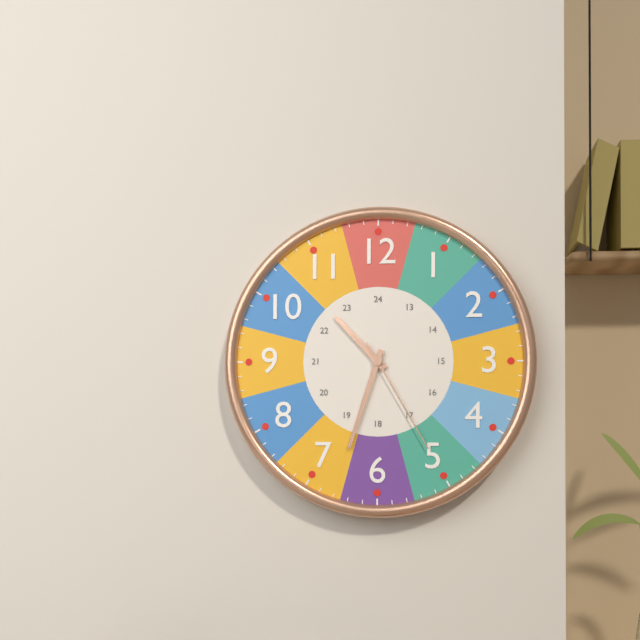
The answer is 10:33:25
